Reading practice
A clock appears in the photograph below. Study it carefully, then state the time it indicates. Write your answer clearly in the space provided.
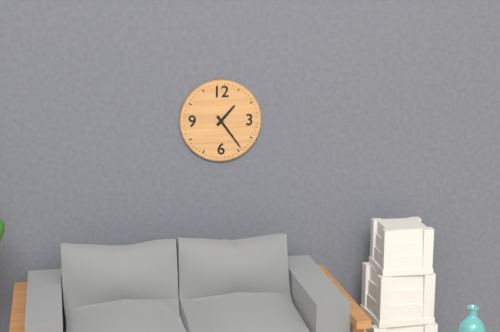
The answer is 1:24
